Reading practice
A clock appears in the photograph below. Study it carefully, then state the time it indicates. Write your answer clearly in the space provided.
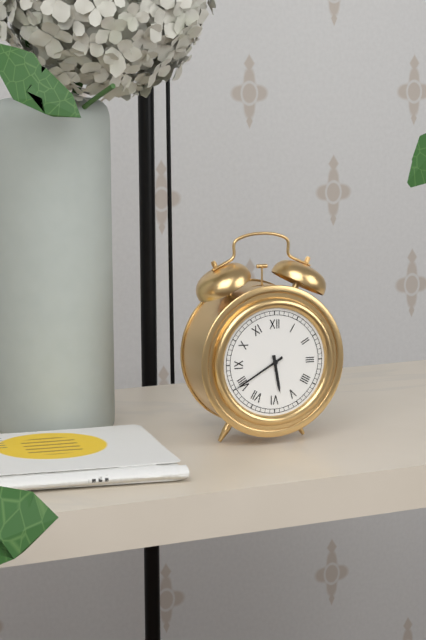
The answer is 5:40
